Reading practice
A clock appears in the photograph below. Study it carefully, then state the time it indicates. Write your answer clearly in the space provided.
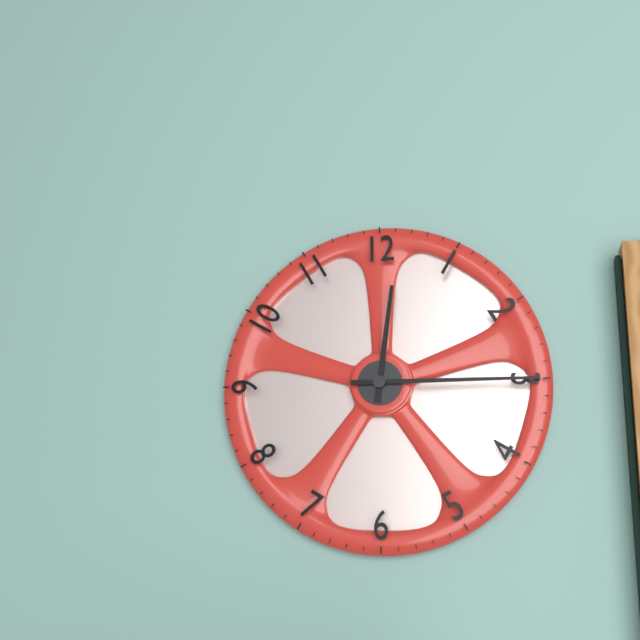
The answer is 12:15
